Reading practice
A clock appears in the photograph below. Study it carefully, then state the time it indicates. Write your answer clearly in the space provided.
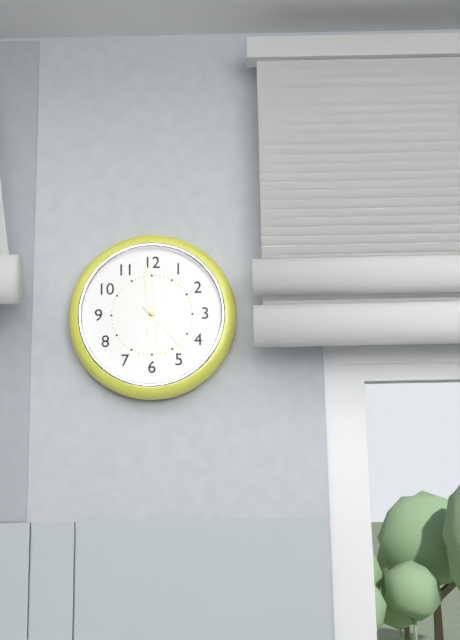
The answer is 5:59:23
